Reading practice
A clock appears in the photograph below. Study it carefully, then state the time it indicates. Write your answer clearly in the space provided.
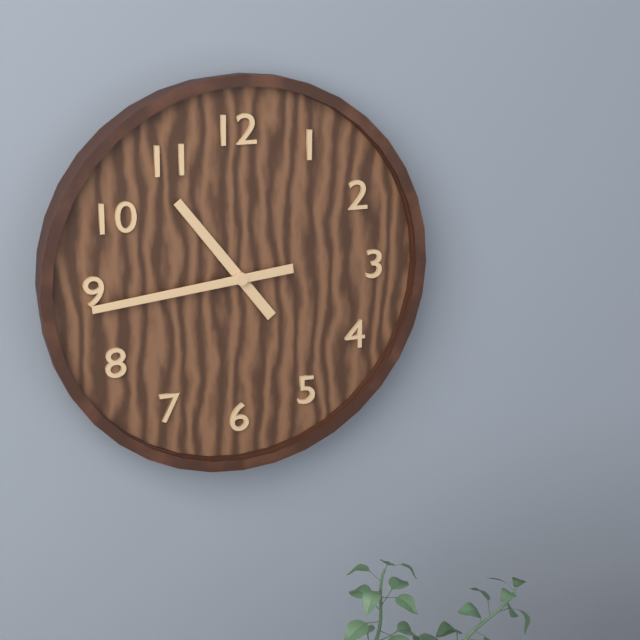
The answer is 10:44
